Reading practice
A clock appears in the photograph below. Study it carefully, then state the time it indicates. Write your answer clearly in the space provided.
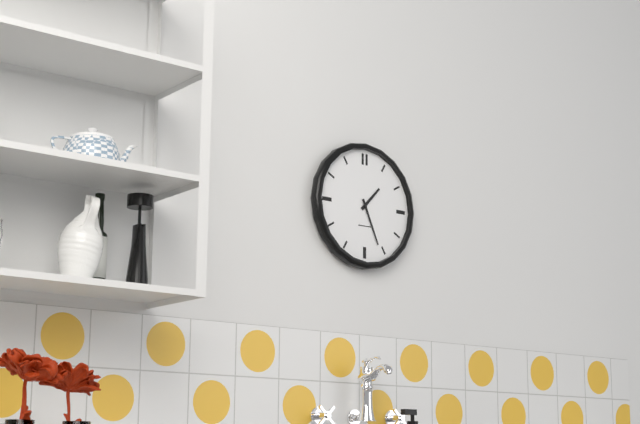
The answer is 1:26
